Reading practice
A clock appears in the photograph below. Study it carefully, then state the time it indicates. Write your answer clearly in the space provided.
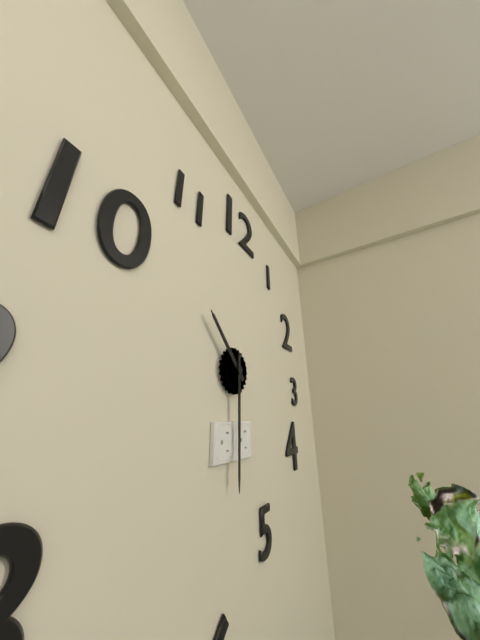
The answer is 10:30
